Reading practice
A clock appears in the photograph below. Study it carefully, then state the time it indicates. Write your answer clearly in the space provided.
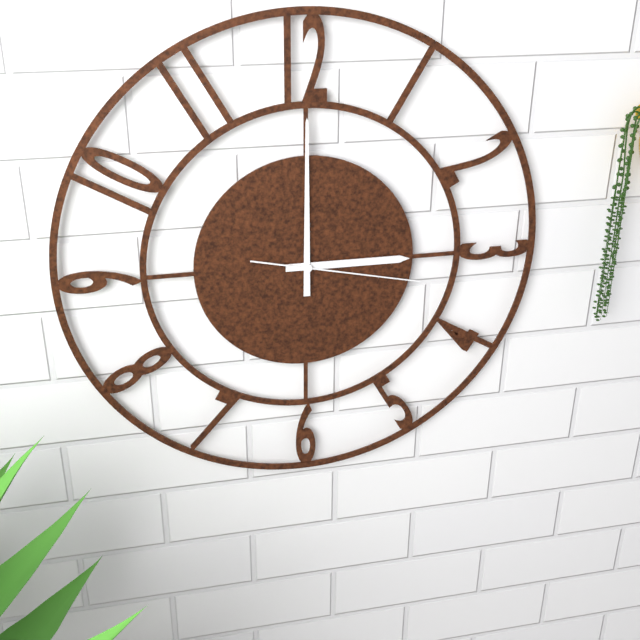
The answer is 3:00:17
